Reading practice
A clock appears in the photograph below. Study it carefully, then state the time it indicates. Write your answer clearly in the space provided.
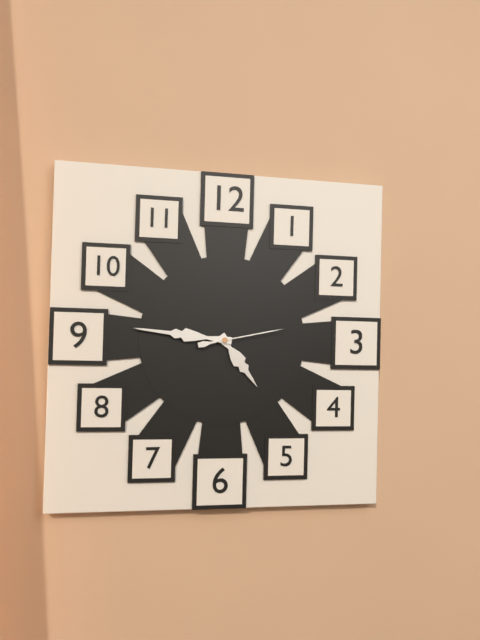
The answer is 4:46:13
